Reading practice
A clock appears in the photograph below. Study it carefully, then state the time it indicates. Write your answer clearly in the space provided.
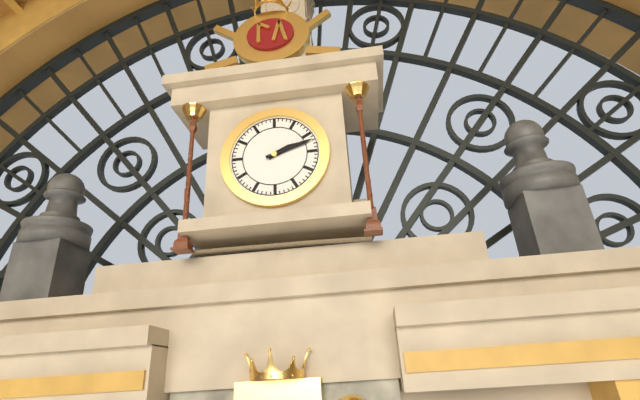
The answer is 2:12
